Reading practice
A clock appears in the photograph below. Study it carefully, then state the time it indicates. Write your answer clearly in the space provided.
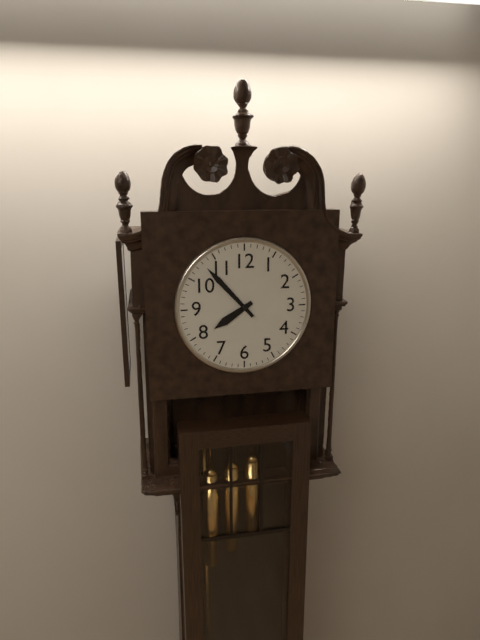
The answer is 7:53
